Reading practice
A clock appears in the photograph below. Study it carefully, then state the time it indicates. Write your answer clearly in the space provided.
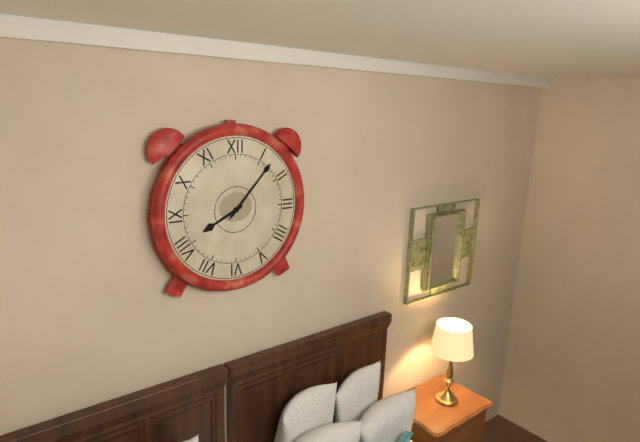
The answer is 8:07
